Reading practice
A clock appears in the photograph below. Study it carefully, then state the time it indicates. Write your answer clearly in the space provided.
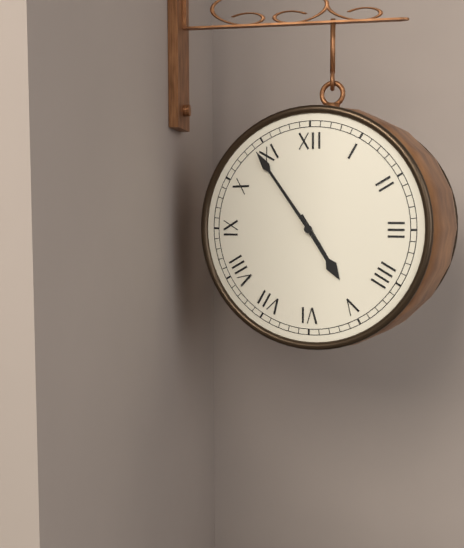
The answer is 4:54
